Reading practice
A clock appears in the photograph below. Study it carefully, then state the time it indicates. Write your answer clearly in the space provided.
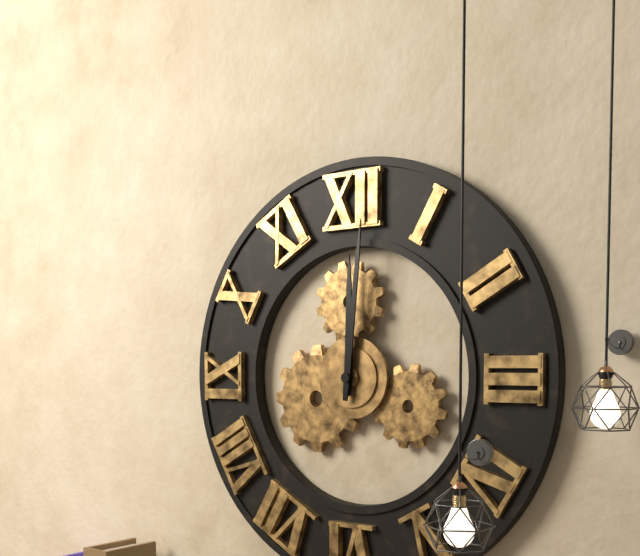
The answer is 12:01
